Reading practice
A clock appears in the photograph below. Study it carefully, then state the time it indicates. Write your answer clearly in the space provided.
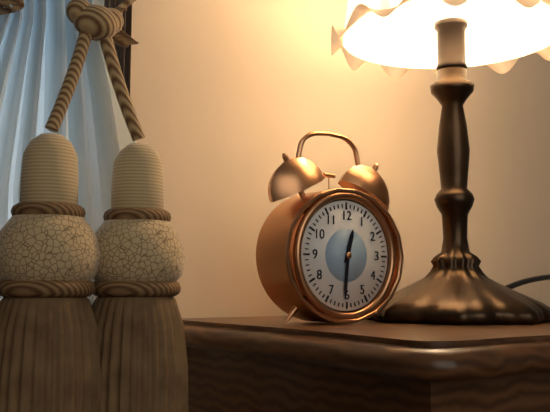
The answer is 12:31
